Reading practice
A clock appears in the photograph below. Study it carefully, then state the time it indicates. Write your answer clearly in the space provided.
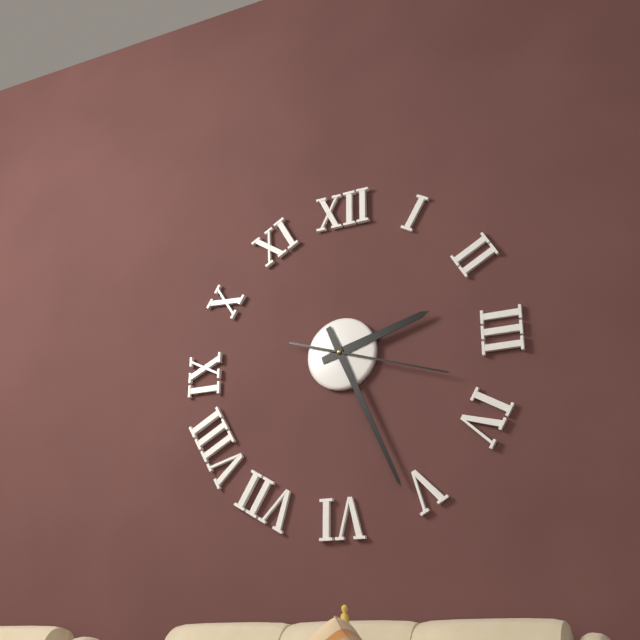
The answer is 2:26:18
